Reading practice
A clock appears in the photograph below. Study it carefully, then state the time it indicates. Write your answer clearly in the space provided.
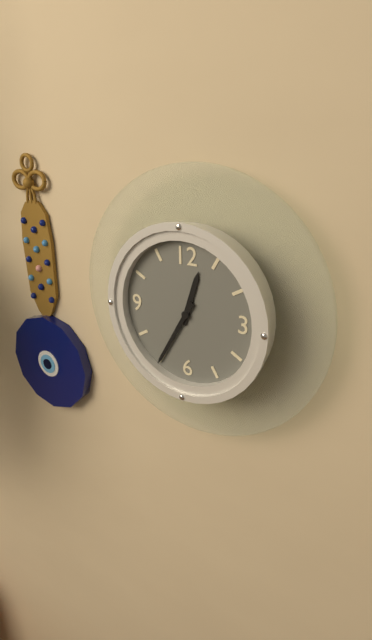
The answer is 12:35
